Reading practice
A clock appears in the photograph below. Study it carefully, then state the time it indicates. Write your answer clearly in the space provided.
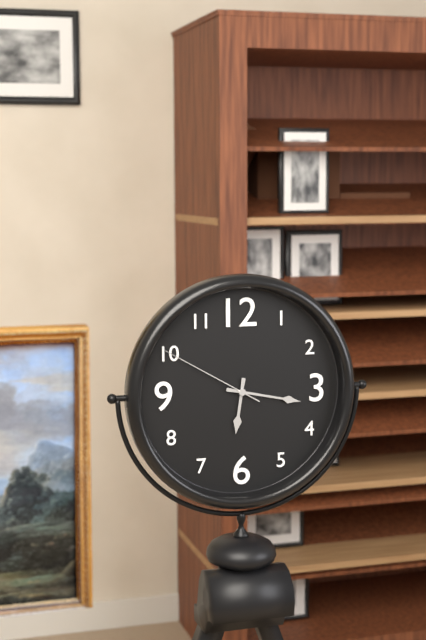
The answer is 6:17:50
